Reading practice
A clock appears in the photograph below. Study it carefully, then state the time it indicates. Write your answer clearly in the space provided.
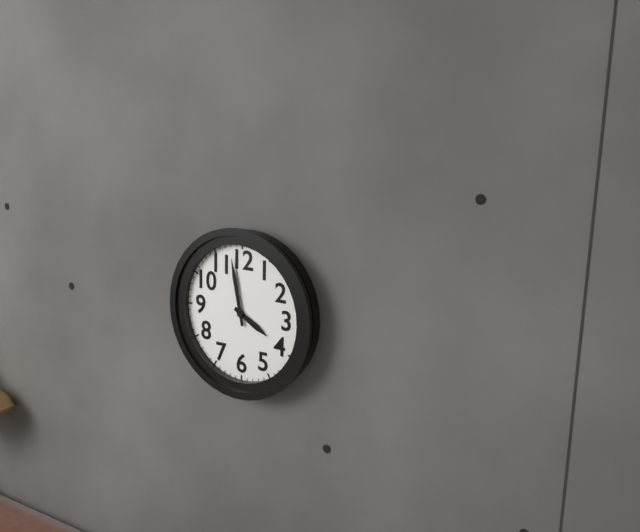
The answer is 3:58
